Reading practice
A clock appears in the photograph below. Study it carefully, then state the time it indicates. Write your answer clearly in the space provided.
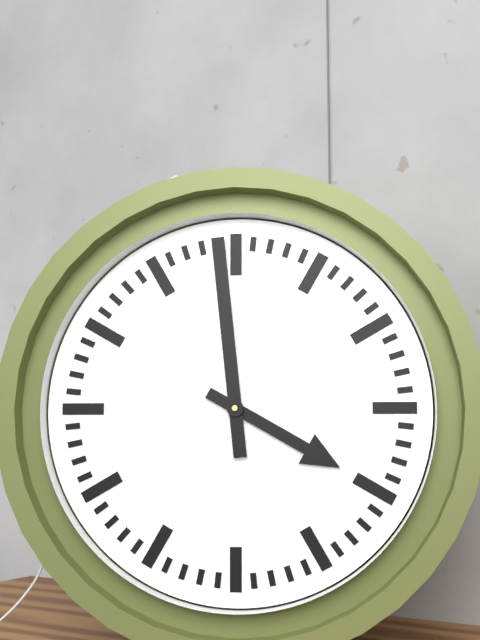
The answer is 3:59
